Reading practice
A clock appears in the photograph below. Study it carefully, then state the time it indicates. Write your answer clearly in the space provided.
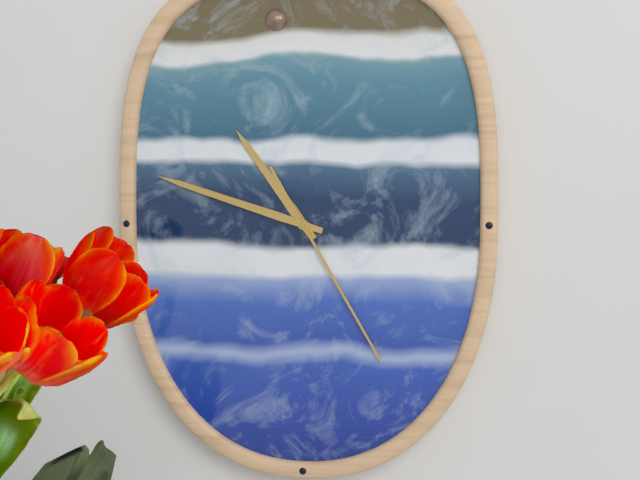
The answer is 10:48:25
